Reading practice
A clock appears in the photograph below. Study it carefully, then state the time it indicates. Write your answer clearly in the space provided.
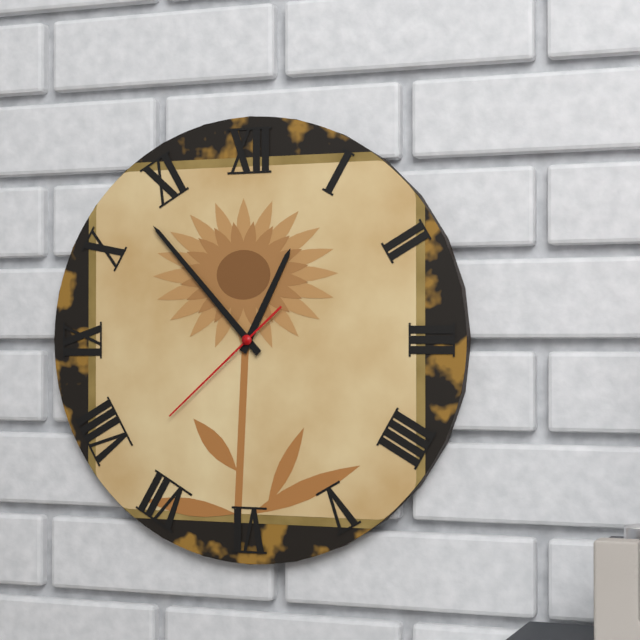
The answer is 12:53:38
